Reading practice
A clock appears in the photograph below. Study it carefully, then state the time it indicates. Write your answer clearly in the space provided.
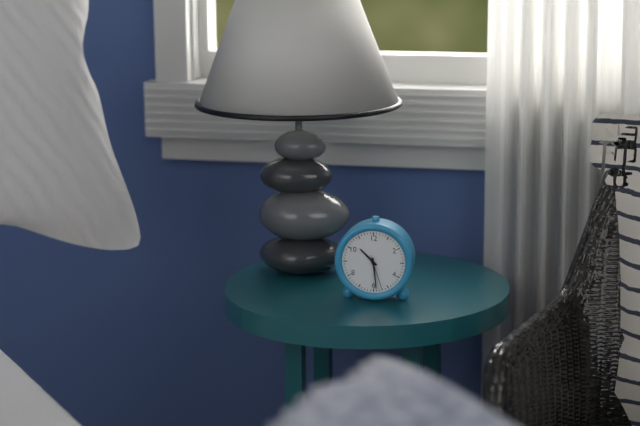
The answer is 10:29
